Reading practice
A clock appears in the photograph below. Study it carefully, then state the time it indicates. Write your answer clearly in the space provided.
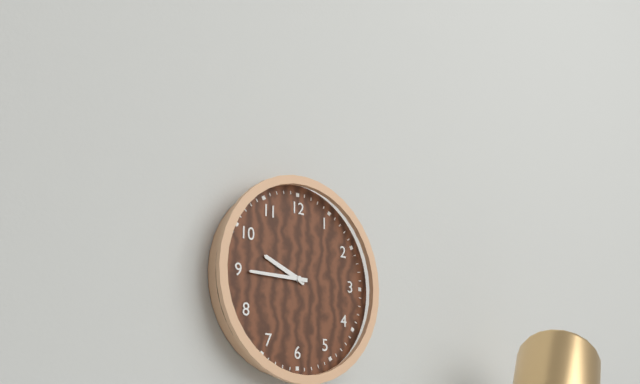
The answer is 9:45
